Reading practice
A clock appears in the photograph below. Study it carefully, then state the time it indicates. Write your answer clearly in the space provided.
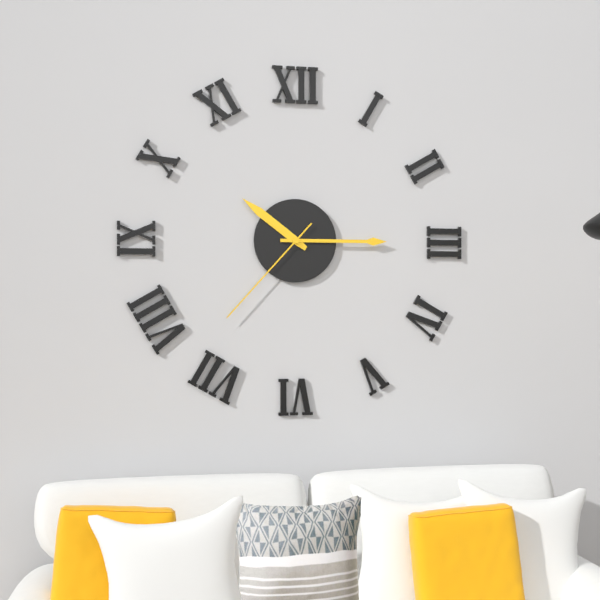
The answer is 10:15:37
